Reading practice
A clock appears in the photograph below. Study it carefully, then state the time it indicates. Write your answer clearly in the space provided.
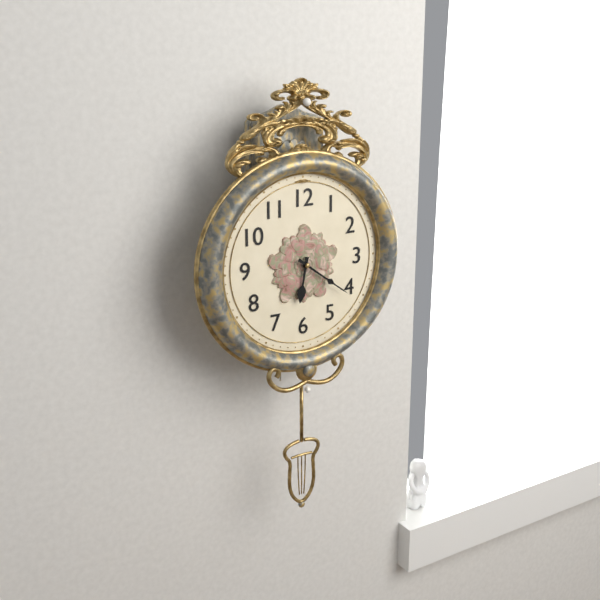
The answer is 6:21
